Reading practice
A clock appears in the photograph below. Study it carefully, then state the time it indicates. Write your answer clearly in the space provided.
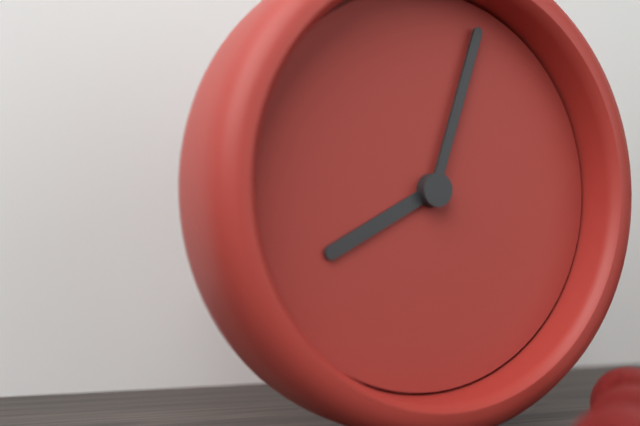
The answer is 8:03
